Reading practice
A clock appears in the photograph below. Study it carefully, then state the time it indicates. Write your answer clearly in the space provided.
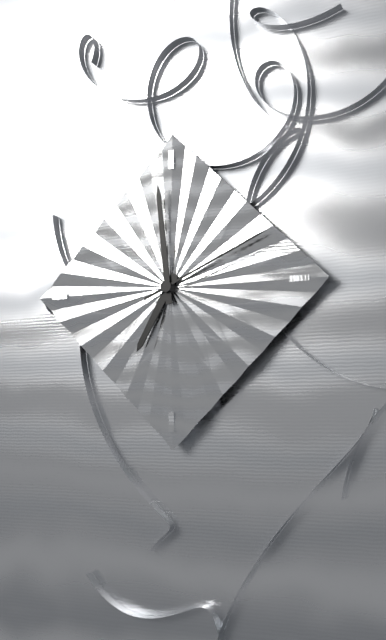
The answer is 6:59:11
